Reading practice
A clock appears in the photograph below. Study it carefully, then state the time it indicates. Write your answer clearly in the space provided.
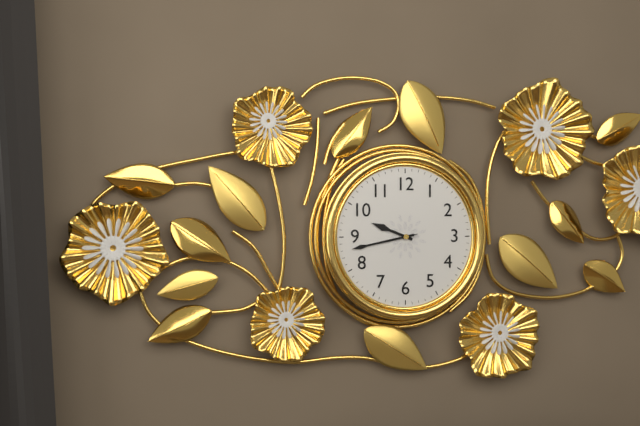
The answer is 9:43:43
